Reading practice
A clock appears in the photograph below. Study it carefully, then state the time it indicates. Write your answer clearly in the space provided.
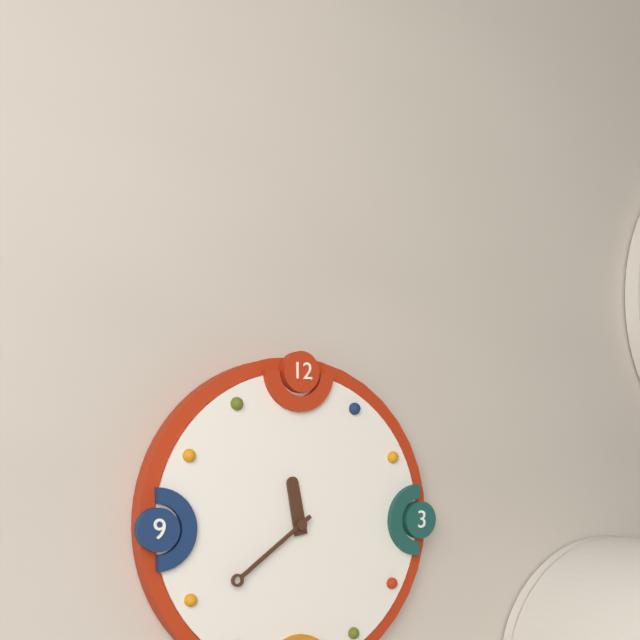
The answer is 11:39
